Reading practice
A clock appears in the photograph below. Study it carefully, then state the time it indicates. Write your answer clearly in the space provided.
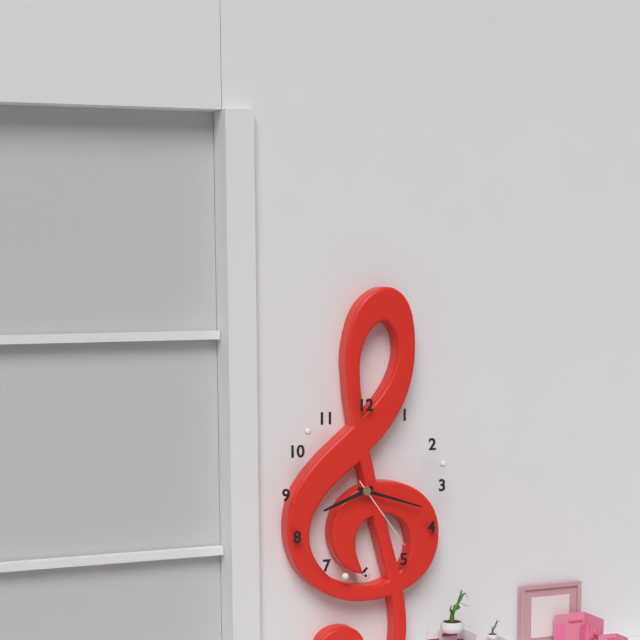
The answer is 8:18:24
